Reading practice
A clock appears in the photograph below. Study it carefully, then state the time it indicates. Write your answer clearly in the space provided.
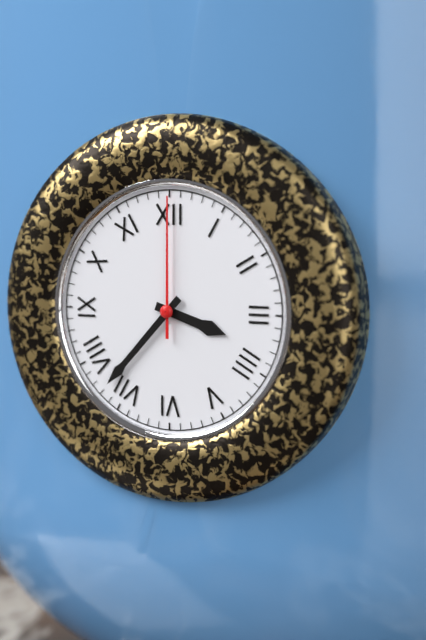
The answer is 3:37:00
